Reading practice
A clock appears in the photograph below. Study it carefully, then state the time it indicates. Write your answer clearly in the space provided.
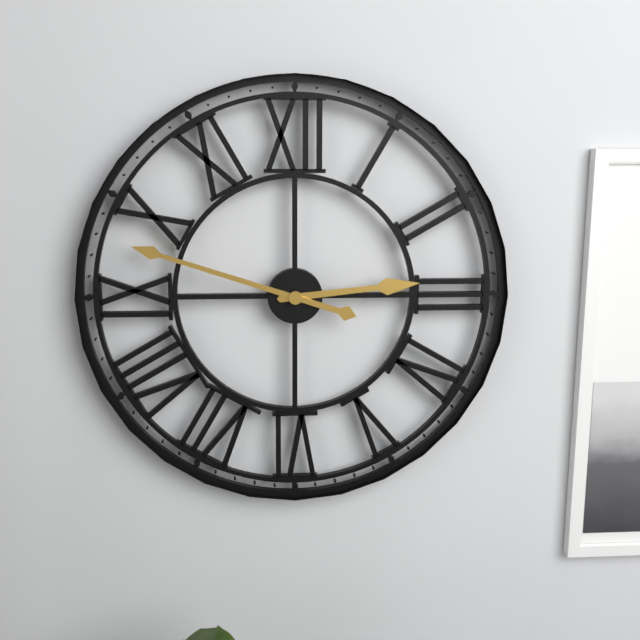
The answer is 2:48
